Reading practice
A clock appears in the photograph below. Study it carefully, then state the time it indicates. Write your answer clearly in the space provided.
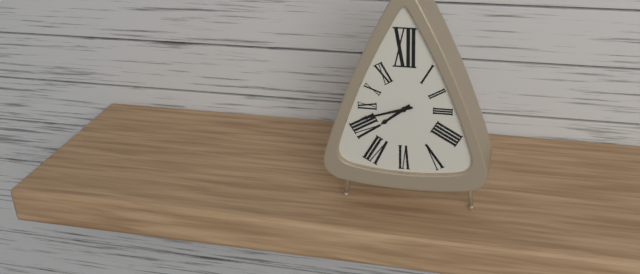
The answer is 7:42
